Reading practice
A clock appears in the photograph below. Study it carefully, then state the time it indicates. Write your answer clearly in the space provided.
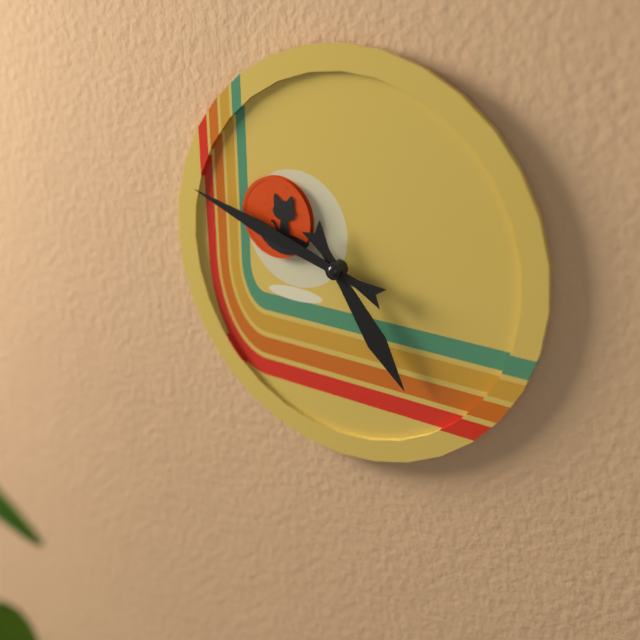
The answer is 4:48
